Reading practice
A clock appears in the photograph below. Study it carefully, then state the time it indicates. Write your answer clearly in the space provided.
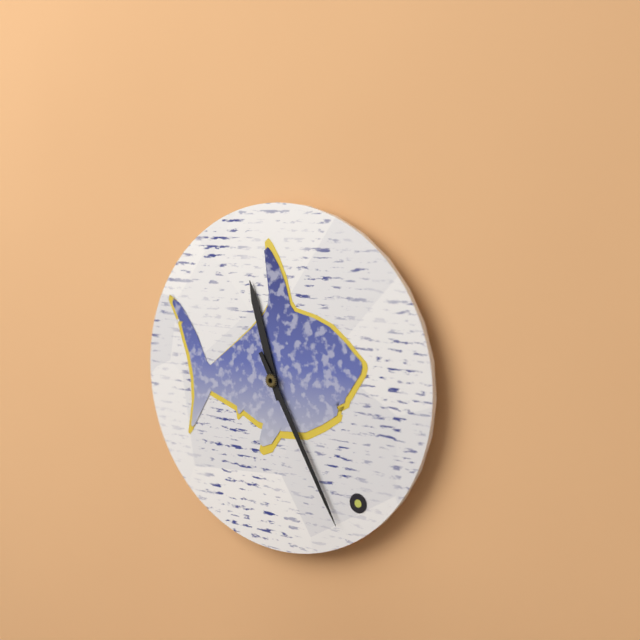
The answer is 11:25
